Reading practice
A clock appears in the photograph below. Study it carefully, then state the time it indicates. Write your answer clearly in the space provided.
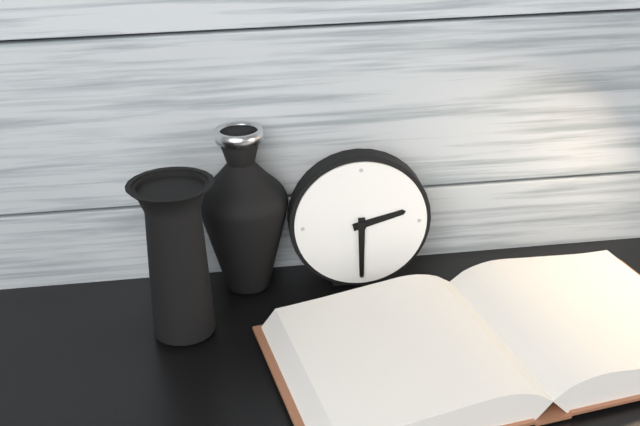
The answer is 2:30
